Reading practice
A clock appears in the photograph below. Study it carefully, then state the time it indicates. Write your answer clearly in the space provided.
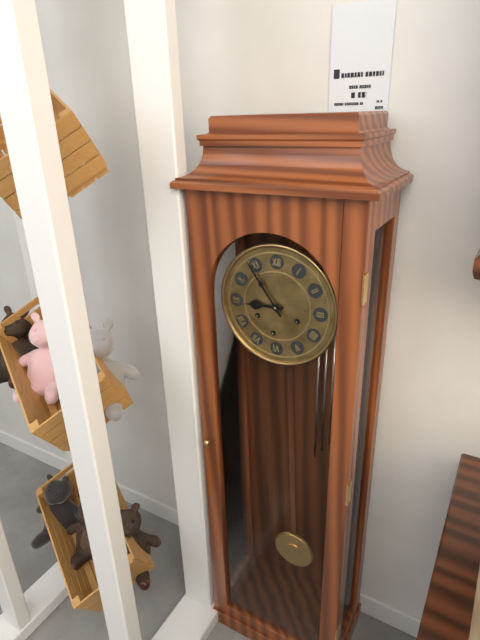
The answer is 8:54
